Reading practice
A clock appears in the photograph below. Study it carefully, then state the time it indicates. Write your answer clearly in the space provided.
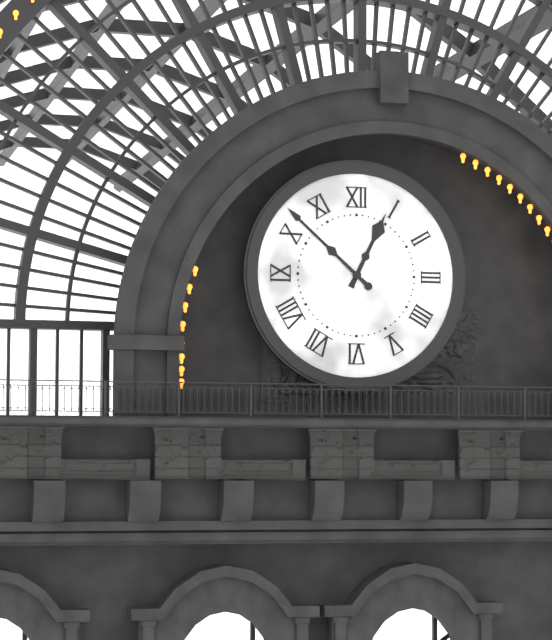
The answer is 12:52
